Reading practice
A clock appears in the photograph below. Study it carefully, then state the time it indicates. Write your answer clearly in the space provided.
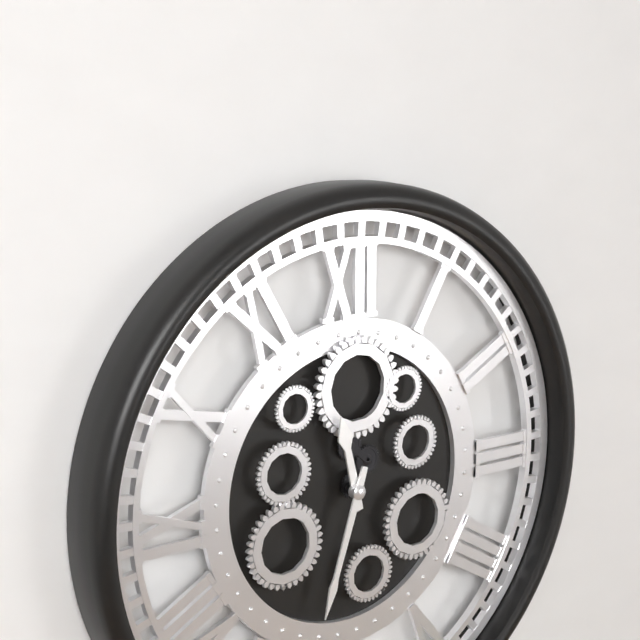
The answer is 11:33
